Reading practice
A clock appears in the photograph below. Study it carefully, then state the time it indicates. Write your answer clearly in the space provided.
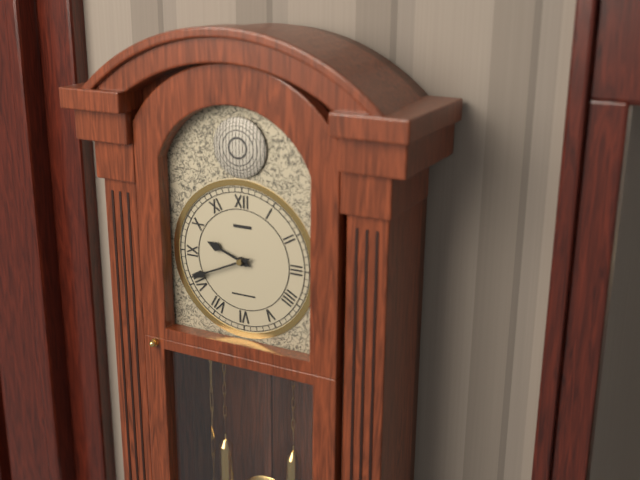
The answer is 9:41
